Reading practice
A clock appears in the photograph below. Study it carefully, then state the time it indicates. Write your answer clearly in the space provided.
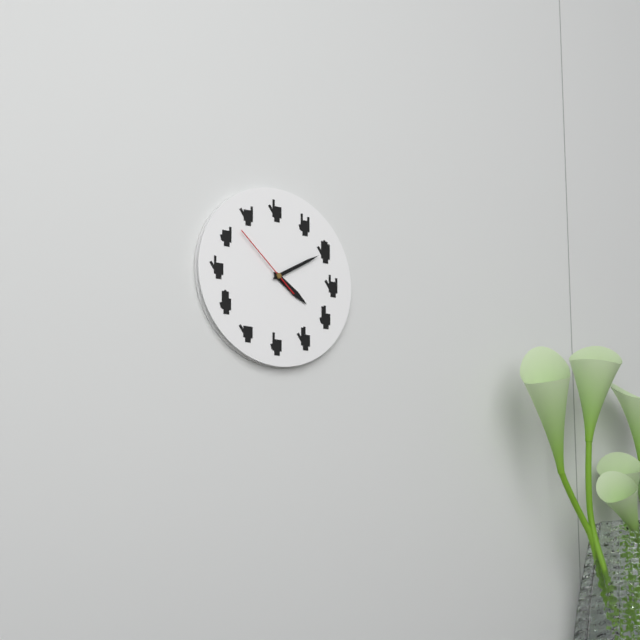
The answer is 4:10:52
